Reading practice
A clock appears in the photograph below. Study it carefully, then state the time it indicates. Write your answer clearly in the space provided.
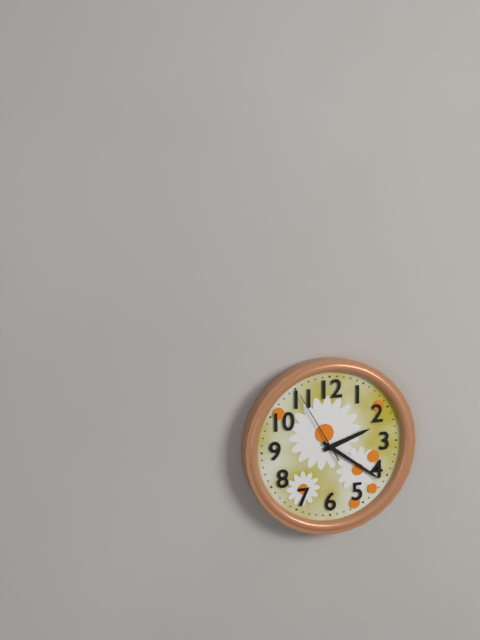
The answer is 2:21:55
